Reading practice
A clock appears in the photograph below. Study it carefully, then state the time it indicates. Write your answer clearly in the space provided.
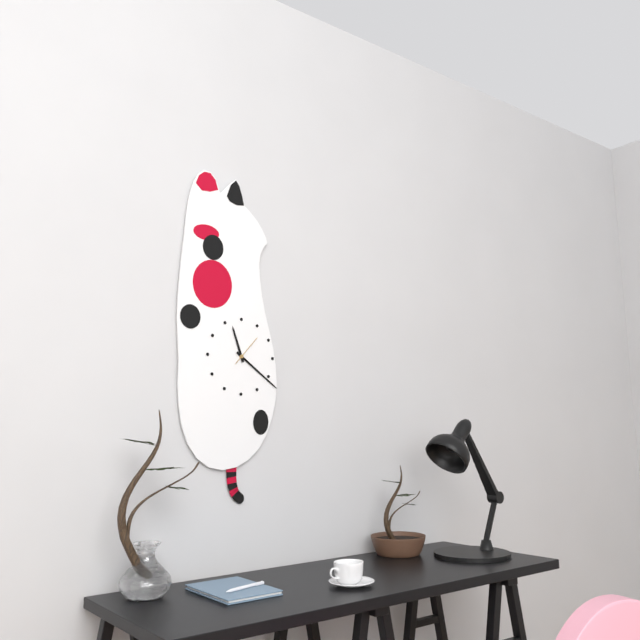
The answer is 11:21
